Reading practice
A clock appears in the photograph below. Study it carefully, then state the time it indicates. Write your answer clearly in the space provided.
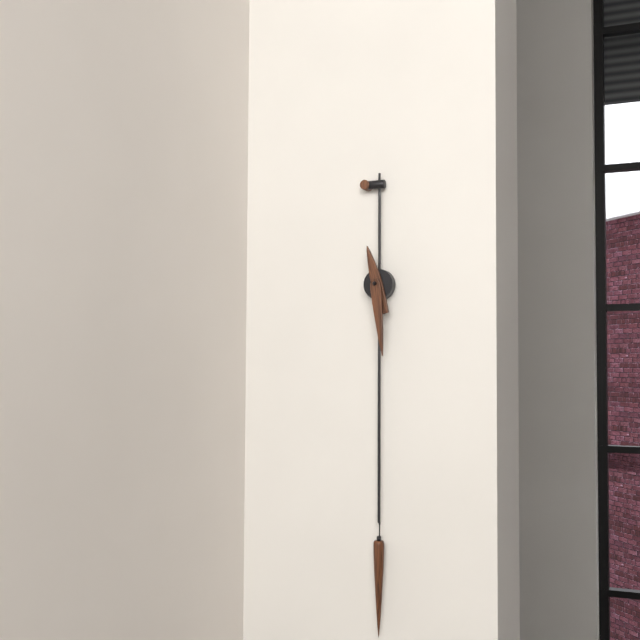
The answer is 11:29
